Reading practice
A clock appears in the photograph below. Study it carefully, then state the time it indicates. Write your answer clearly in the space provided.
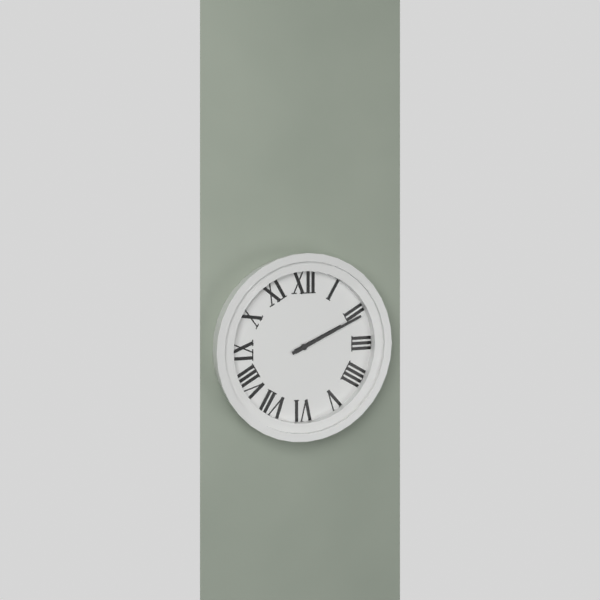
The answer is 2:11
